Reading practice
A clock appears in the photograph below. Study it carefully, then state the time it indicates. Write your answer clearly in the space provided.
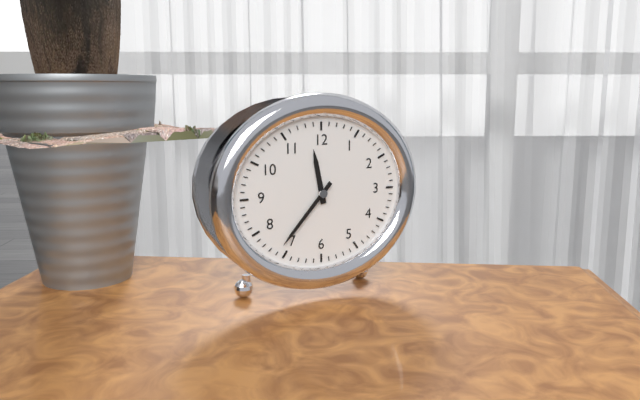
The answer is 11:37
